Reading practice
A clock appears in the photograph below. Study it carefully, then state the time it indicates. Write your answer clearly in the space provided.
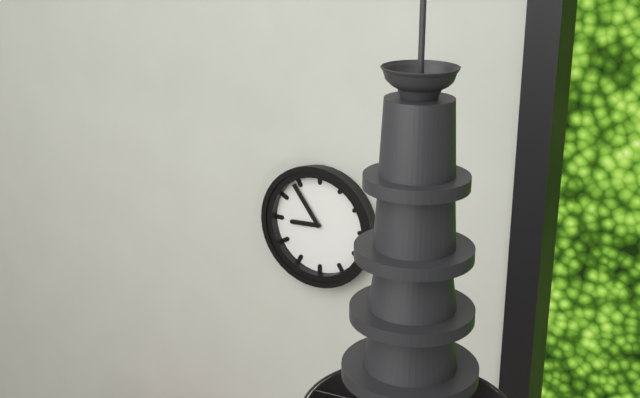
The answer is 8:54
